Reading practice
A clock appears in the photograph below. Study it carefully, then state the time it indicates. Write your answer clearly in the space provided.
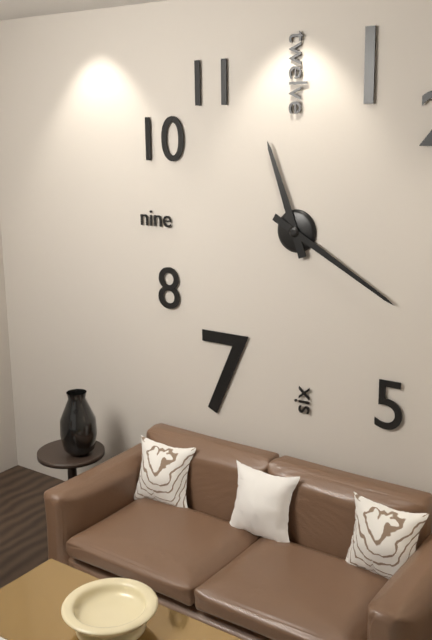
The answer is 11:20
